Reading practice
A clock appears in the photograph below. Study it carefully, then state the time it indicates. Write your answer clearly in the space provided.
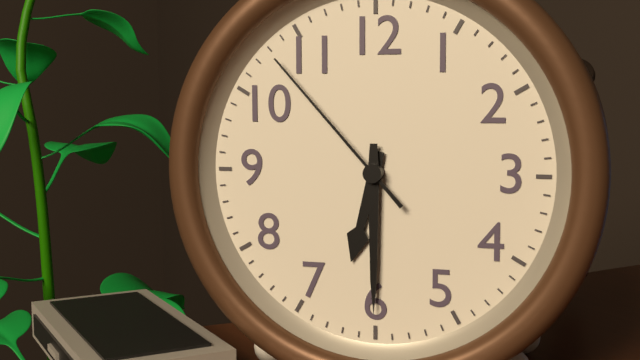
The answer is 6:30:53
